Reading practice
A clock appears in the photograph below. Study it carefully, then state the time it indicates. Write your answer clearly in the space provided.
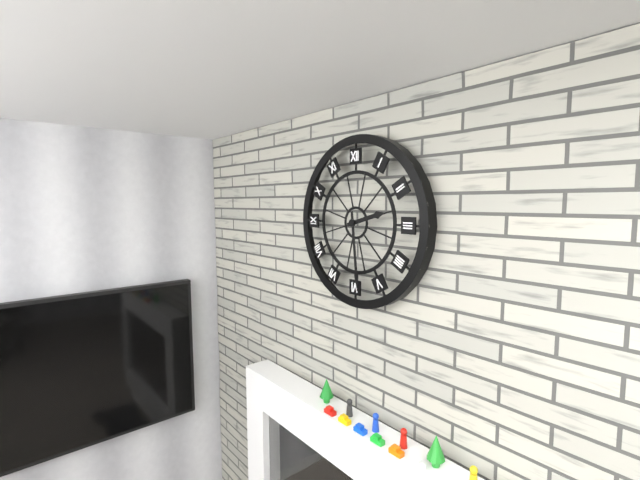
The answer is 2:29
